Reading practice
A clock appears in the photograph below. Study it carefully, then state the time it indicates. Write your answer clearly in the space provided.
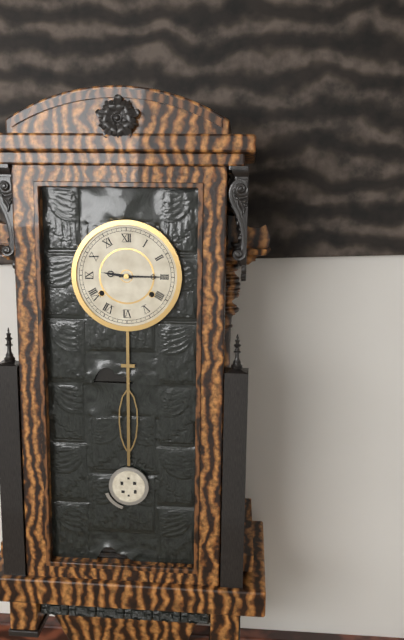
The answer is 9:15
